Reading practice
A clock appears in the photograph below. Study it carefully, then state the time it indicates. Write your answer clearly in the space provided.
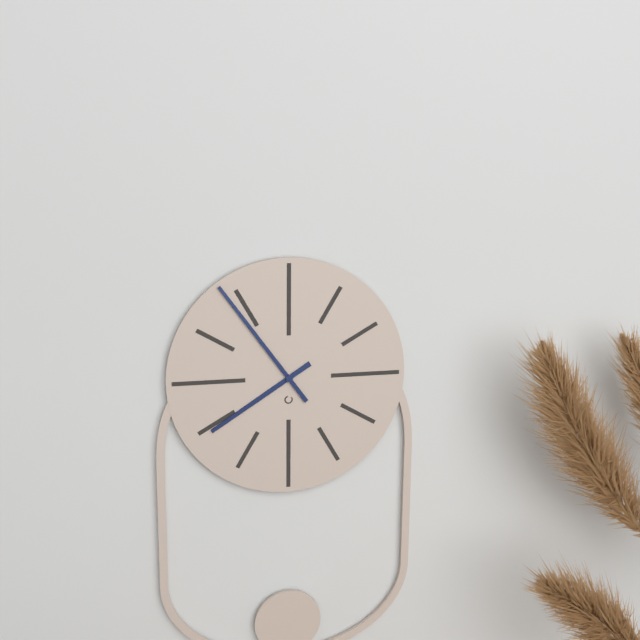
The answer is 7:54
